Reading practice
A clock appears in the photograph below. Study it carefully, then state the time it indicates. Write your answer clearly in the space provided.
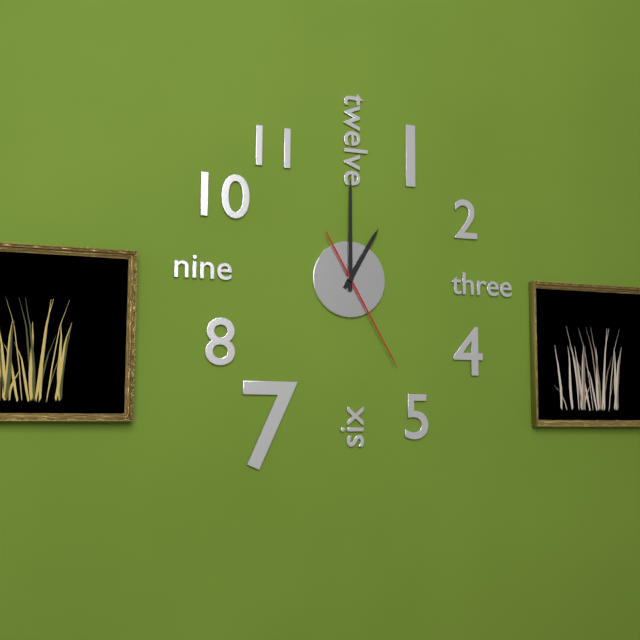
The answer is 1:00:25
